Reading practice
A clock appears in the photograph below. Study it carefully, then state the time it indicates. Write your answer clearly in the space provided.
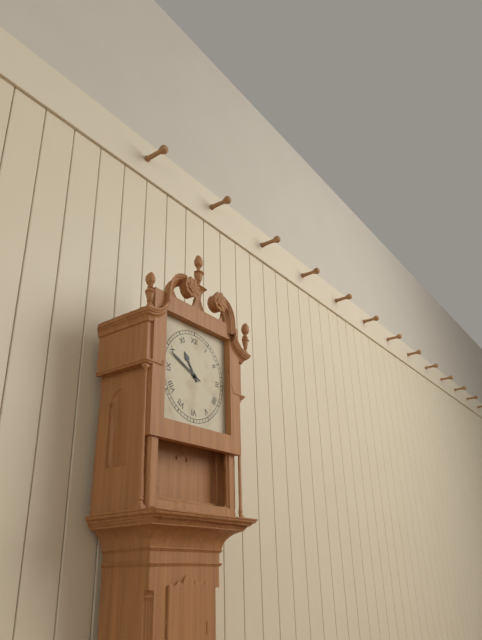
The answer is 10:49
